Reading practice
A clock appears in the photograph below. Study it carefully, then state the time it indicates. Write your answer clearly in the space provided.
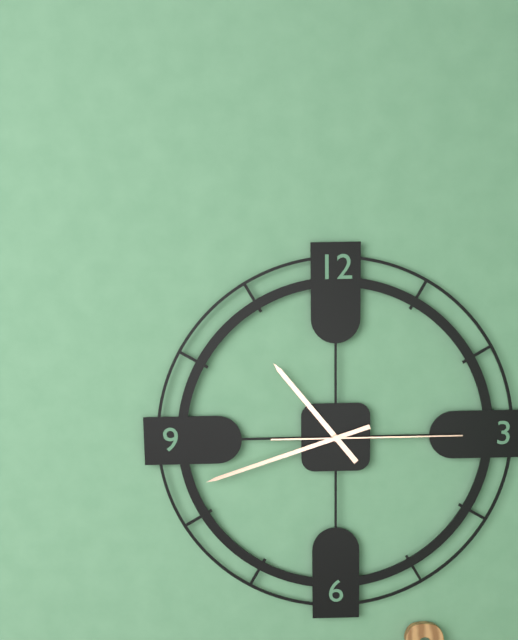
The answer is 10:42:15
